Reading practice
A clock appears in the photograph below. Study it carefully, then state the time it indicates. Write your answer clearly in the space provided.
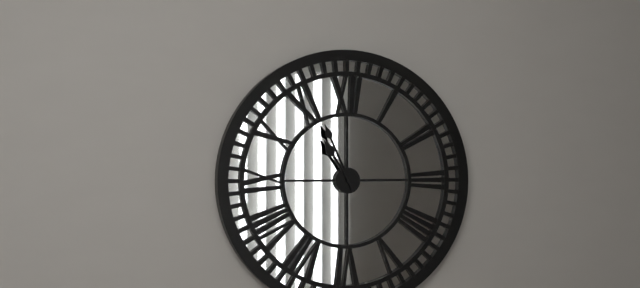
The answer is 10:56
